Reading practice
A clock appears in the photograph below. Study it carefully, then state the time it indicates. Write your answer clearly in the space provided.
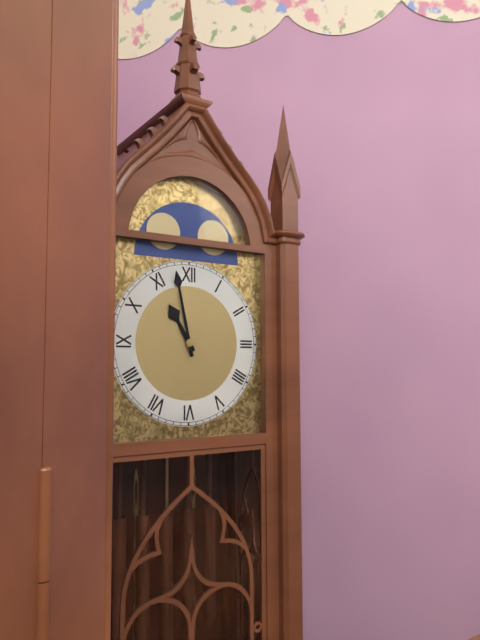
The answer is 10:58
